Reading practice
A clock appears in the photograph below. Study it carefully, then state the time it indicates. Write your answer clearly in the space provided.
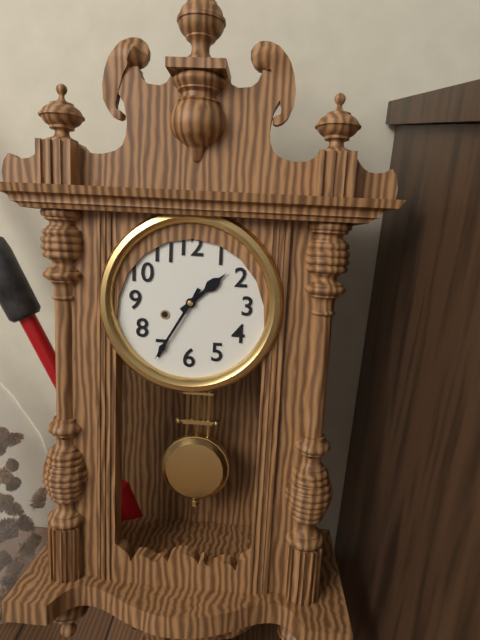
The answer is 1:35
